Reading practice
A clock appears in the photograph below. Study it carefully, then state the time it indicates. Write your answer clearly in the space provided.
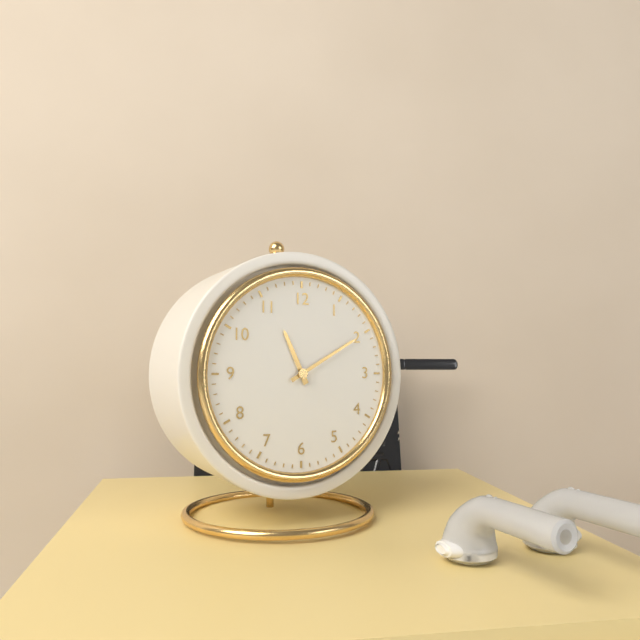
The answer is 11:10
